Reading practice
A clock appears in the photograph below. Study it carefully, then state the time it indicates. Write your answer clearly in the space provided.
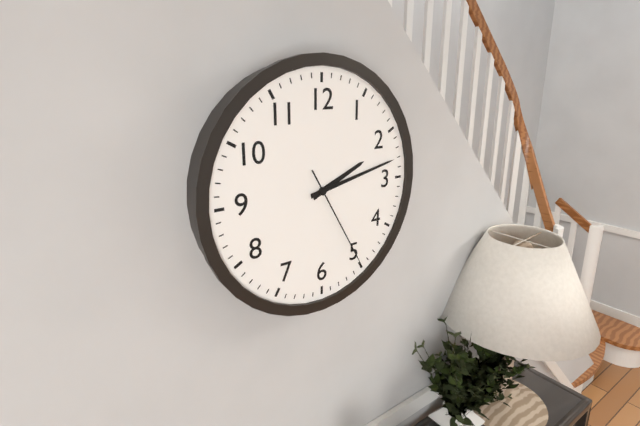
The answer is 2:13:25
